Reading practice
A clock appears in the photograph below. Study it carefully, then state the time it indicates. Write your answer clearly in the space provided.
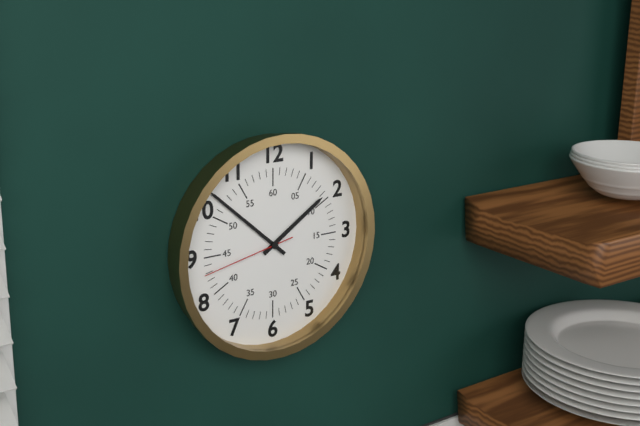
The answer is 1:52:43
